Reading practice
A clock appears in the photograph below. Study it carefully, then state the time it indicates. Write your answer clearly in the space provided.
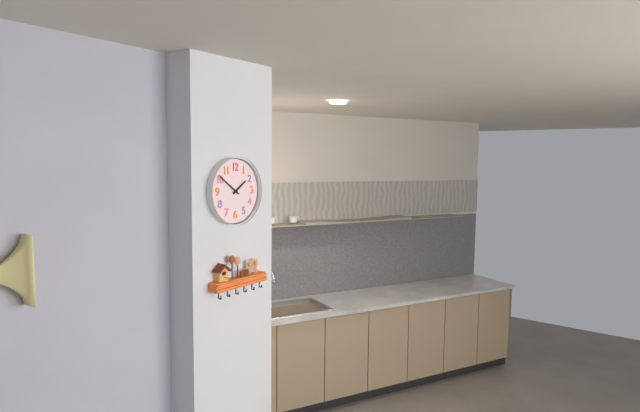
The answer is 1:51
